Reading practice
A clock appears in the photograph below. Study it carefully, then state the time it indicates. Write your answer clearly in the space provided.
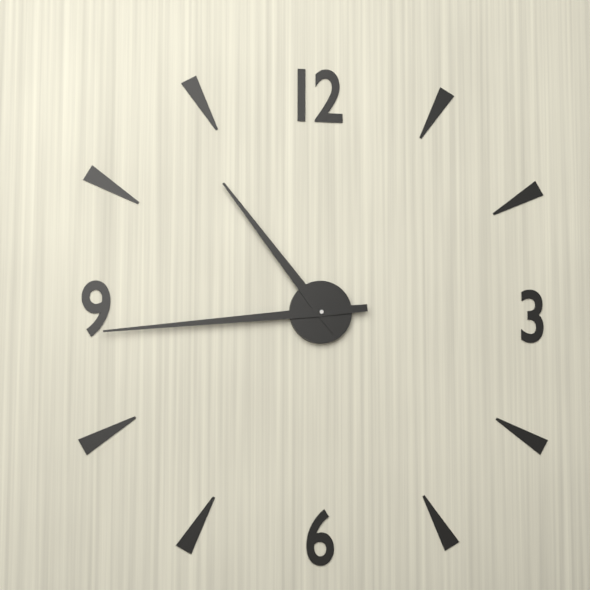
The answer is 10:44
